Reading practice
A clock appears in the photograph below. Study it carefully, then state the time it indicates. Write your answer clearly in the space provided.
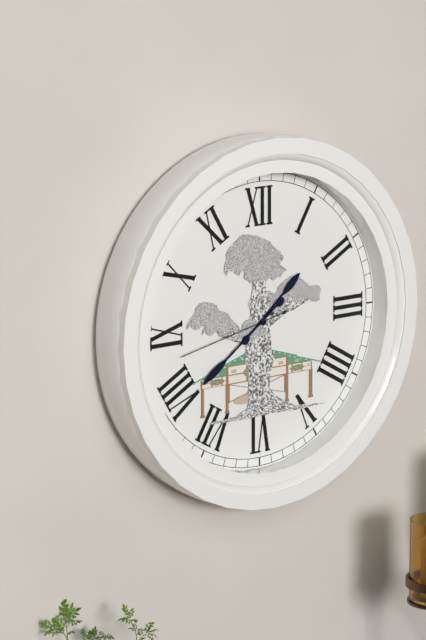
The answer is 1:39:43
